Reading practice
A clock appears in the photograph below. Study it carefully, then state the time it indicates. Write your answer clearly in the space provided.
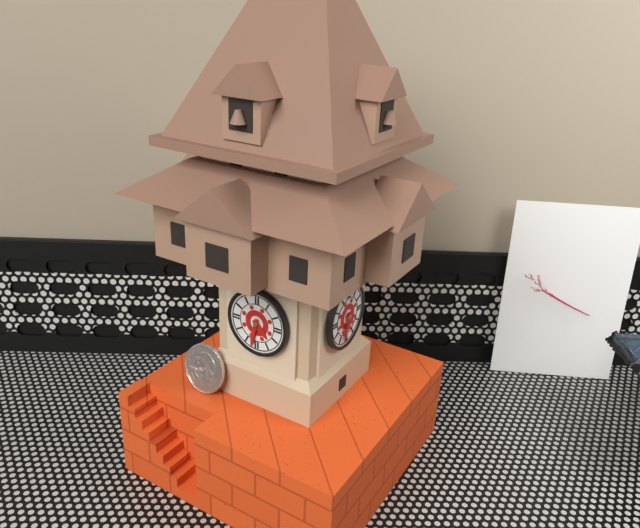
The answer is 4:32
